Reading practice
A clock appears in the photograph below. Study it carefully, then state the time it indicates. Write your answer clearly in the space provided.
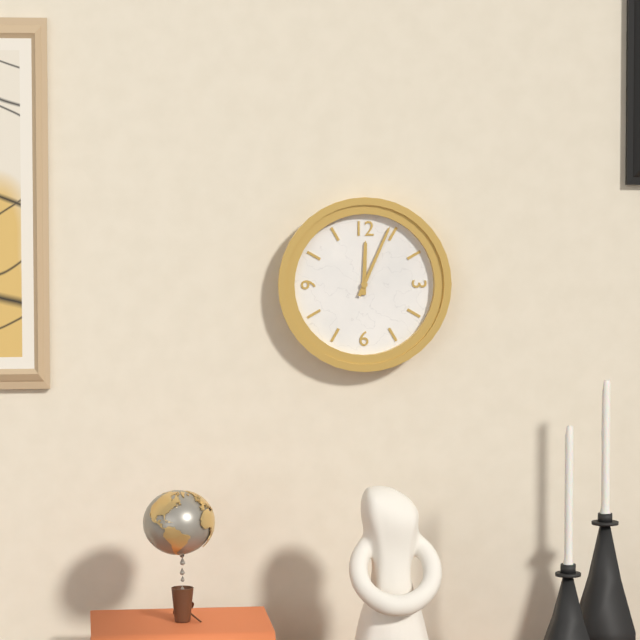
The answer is 12:04
